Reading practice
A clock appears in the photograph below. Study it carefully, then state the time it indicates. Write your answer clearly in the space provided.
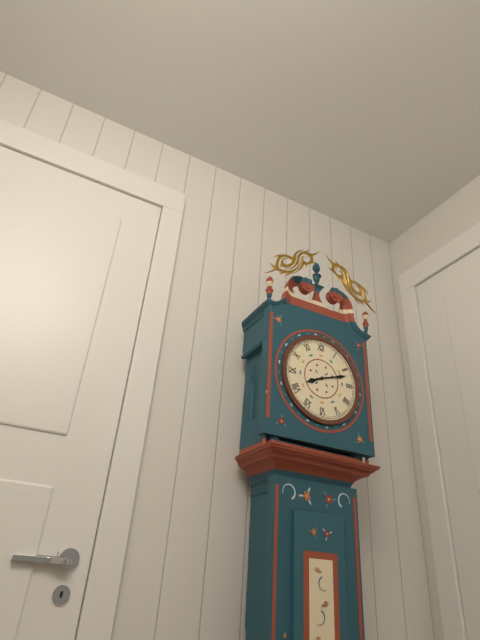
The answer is 8:12
